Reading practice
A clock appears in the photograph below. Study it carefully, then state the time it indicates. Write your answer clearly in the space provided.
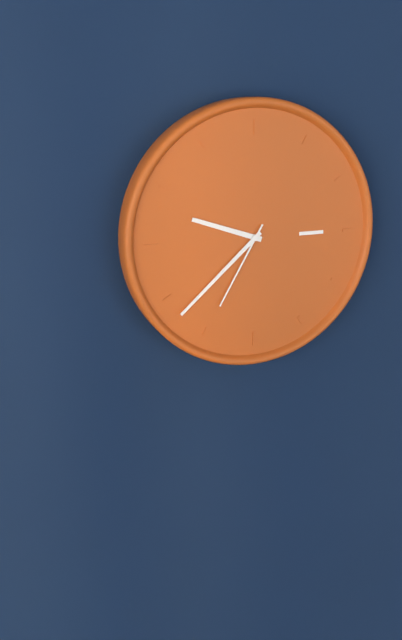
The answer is 9:38:35
